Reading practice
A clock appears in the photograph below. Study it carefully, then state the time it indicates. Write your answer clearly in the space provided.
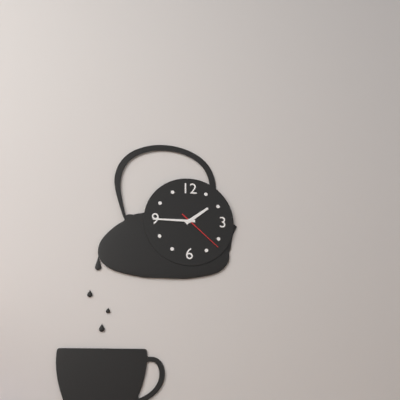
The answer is 1:45
